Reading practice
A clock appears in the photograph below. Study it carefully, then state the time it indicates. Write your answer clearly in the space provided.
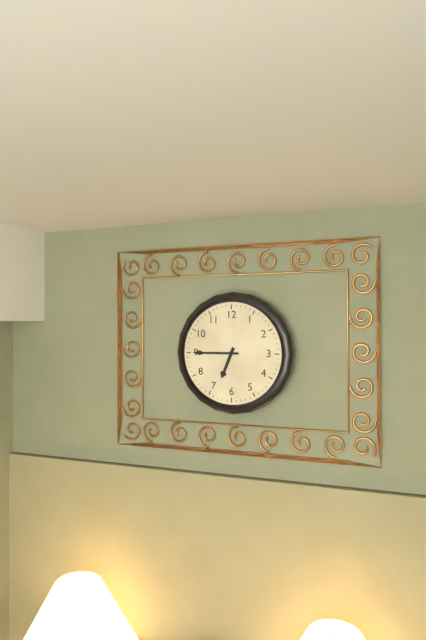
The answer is 6:45
